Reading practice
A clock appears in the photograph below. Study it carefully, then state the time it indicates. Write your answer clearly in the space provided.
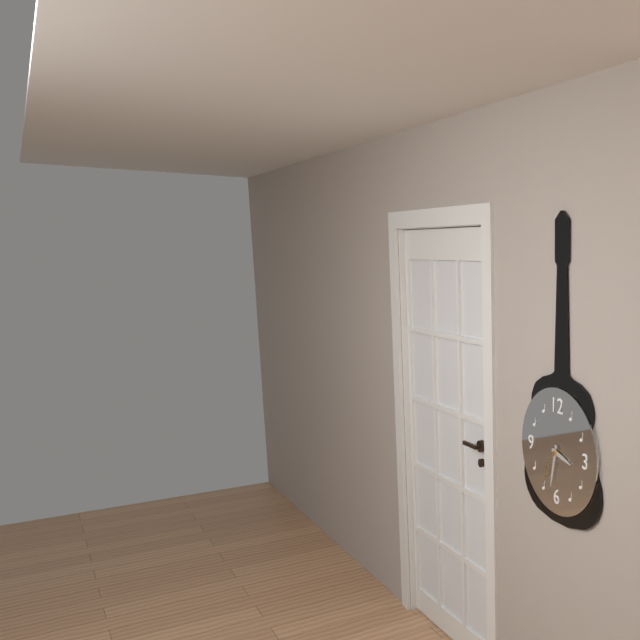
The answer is 3:32
